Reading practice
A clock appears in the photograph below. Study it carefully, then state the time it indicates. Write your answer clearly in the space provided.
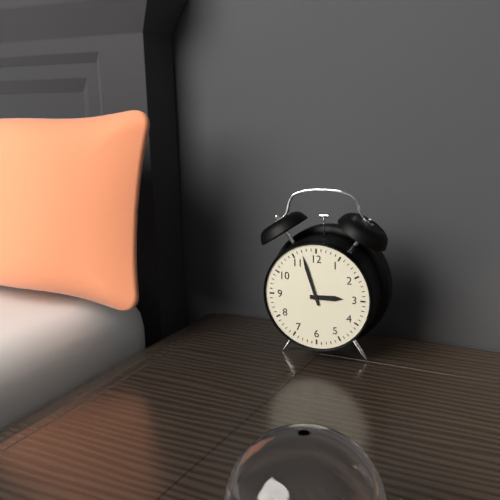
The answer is 2:57
